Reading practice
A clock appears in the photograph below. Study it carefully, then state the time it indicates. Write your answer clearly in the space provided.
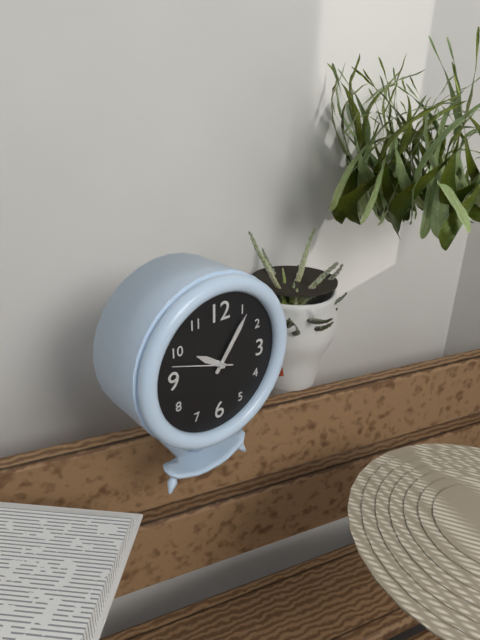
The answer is 10:06:48
